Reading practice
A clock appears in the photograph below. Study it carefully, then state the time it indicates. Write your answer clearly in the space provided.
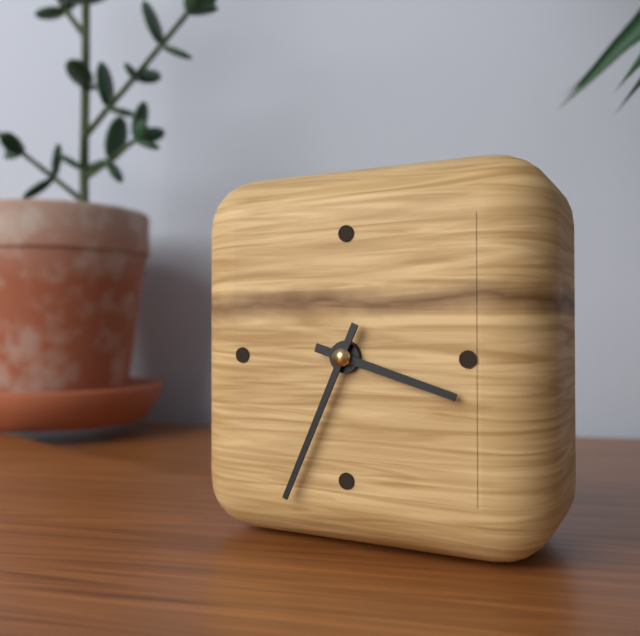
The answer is 3:34
